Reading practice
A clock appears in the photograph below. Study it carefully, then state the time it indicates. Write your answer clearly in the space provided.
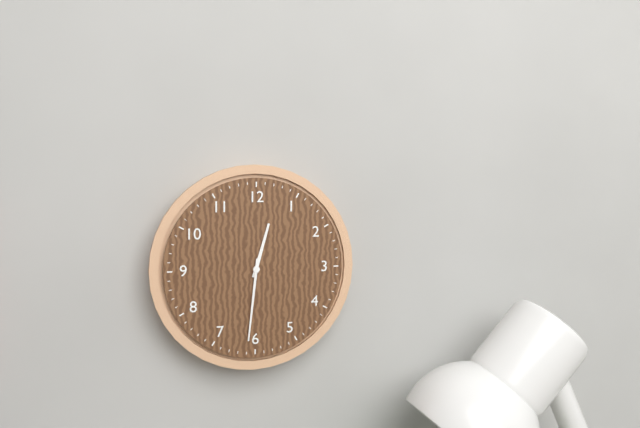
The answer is 12:31
